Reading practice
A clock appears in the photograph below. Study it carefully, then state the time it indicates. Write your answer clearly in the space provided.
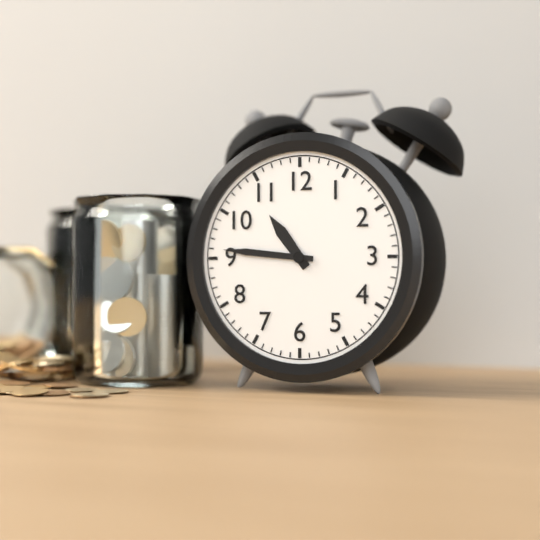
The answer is 10:46
